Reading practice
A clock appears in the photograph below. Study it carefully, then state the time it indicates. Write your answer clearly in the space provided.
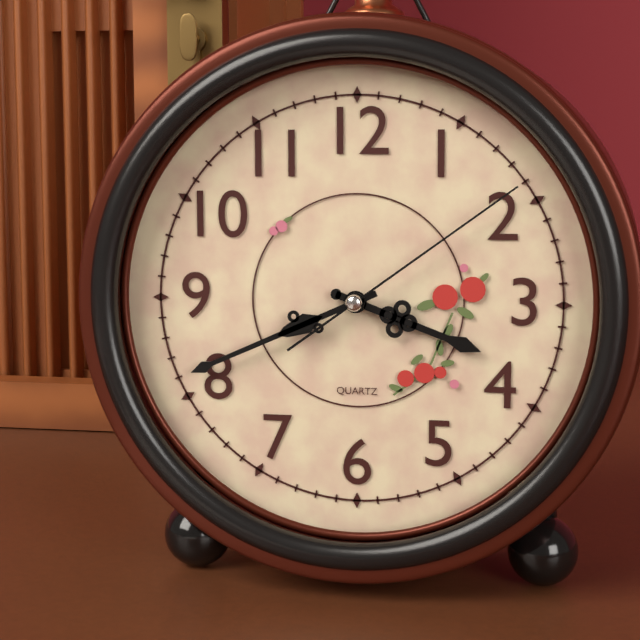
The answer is 3:41:09
